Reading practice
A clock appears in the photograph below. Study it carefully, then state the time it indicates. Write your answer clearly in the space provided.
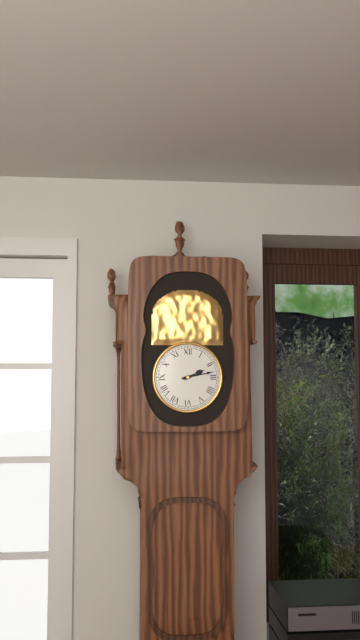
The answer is 2:13
